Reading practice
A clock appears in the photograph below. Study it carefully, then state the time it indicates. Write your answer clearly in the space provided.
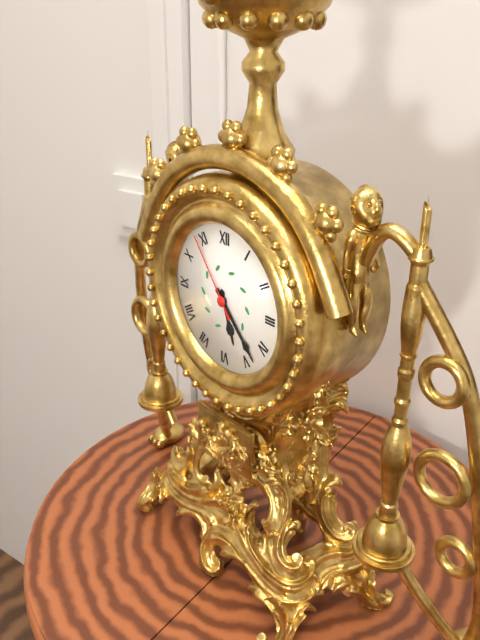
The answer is 5:23:54
